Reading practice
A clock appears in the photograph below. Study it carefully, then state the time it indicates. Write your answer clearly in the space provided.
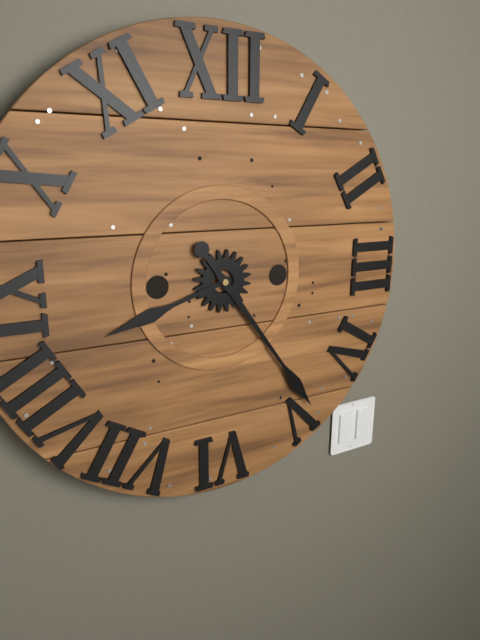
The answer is 8:24
